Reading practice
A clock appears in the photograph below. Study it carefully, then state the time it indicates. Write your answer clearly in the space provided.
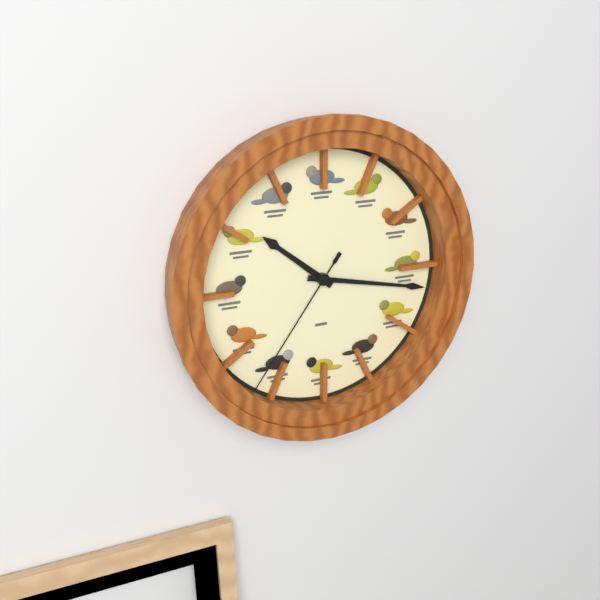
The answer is 10:17:36
